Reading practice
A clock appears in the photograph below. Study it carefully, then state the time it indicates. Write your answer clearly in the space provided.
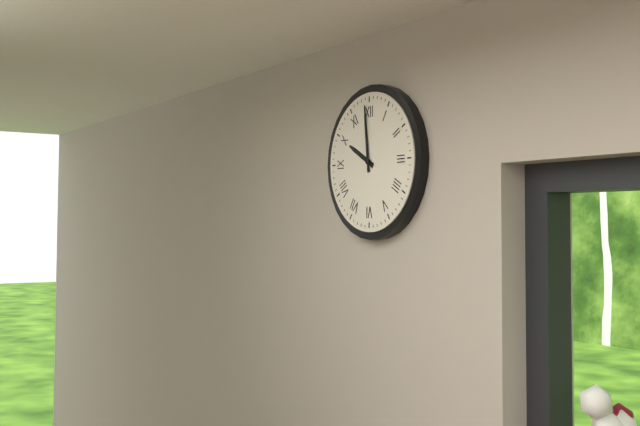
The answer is 9:59
